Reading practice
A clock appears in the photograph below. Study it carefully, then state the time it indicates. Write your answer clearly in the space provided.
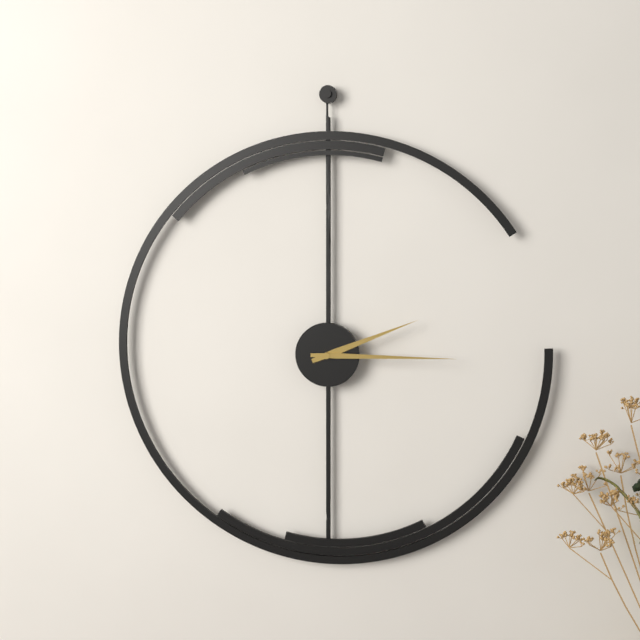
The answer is 2:15
